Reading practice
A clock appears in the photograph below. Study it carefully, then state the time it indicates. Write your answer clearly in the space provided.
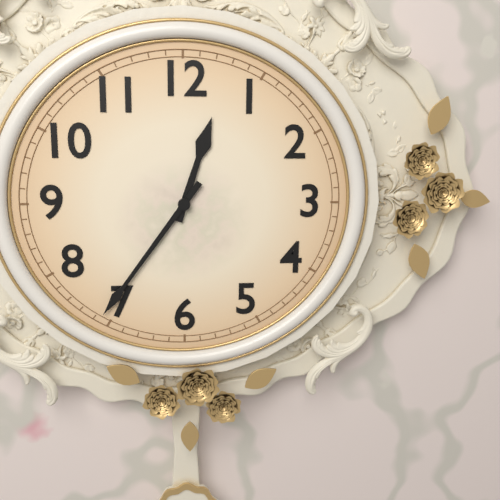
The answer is 12:36
